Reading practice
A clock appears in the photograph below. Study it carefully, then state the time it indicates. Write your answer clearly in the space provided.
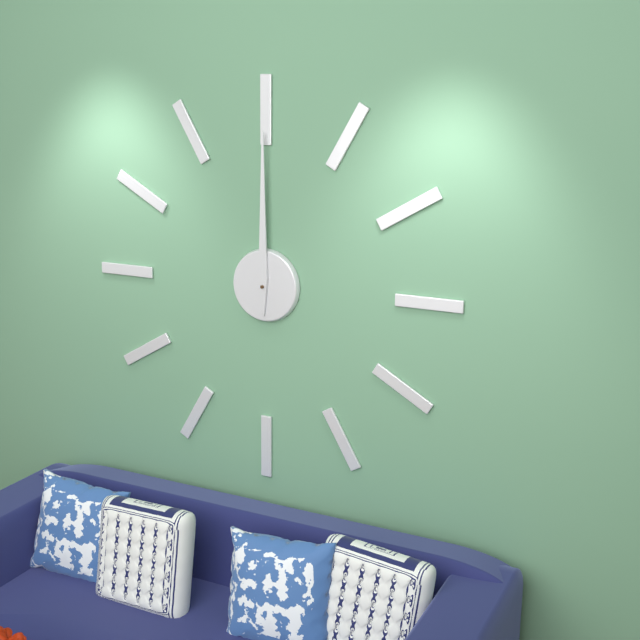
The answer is 12:00
